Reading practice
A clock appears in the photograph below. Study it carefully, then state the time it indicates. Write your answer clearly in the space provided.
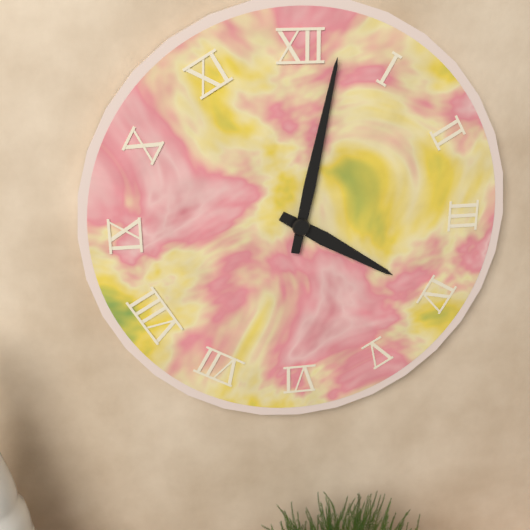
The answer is 4:02
